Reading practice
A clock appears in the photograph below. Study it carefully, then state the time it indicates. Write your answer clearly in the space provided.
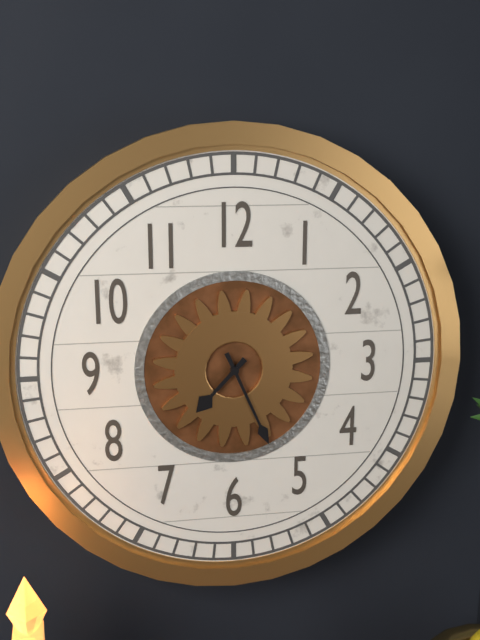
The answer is 7:26
